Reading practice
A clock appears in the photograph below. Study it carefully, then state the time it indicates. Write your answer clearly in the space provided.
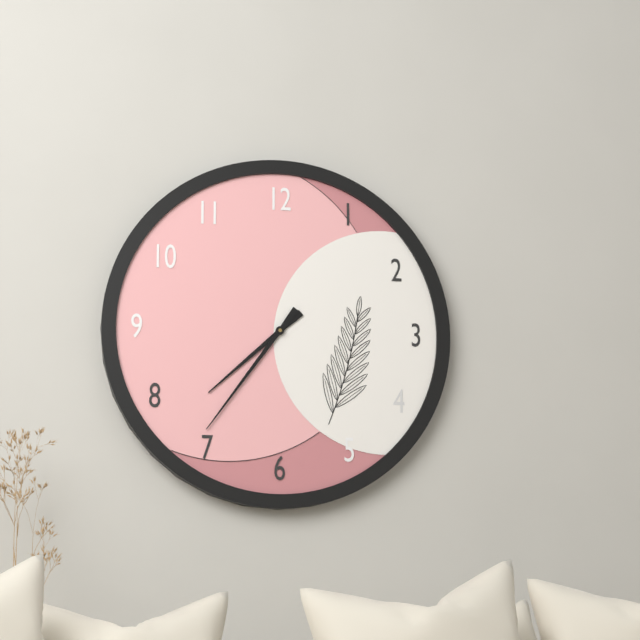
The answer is 7:36
